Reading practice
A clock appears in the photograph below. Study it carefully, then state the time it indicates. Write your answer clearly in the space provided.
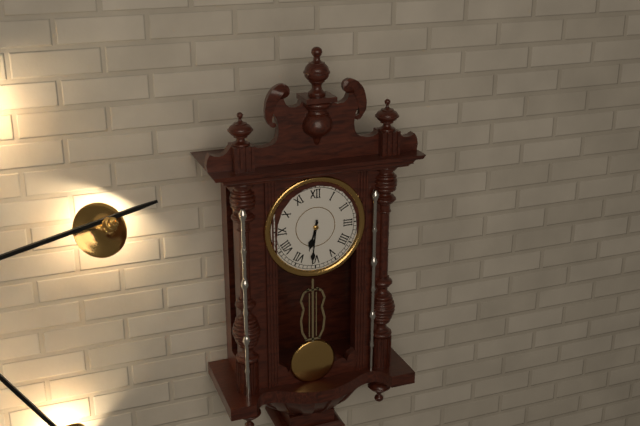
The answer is 6:31
